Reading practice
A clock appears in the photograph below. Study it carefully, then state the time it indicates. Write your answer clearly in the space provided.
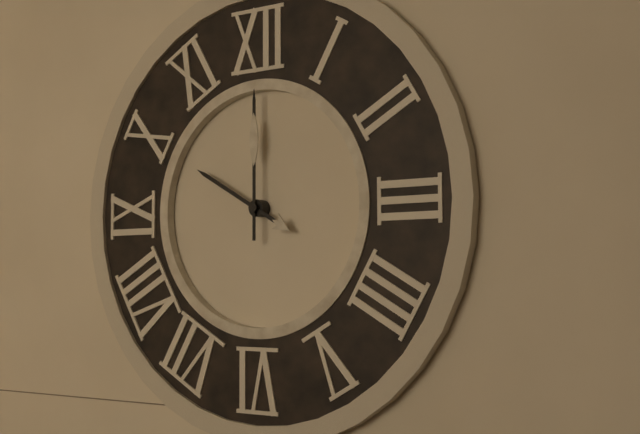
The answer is 10:00
